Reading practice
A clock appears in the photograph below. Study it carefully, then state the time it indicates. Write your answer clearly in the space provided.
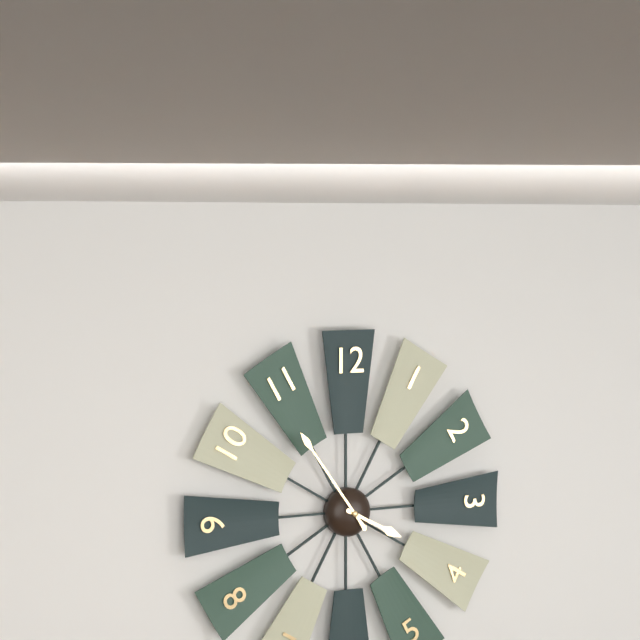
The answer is 3:54
